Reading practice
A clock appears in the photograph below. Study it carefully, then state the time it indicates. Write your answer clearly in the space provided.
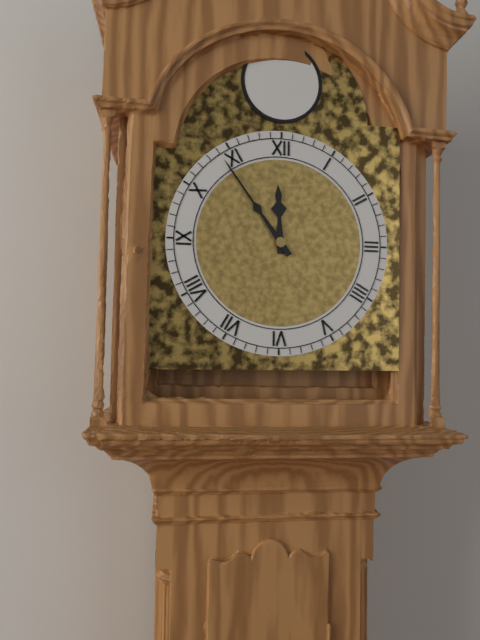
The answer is 11:54
